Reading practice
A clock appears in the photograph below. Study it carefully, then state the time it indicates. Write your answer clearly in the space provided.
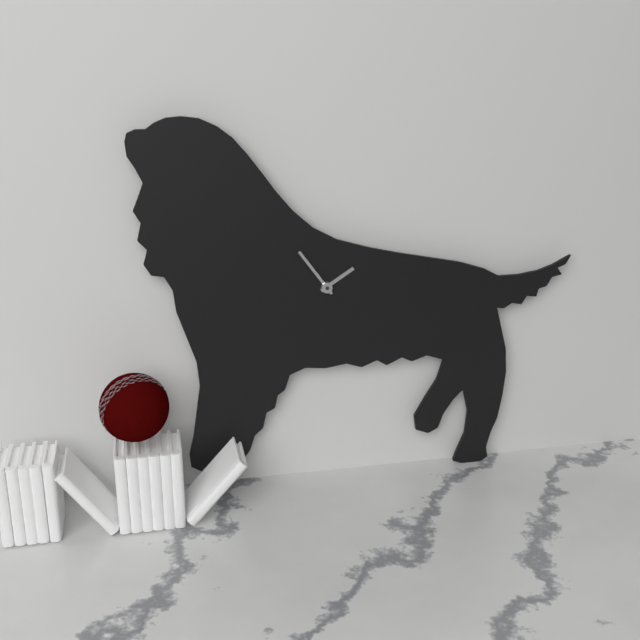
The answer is 1:54
